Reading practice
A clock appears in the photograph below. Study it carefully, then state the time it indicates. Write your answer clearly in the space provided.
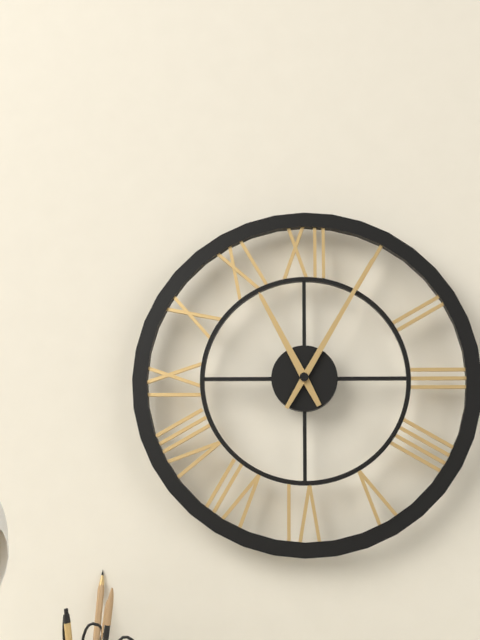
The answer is 11:05
